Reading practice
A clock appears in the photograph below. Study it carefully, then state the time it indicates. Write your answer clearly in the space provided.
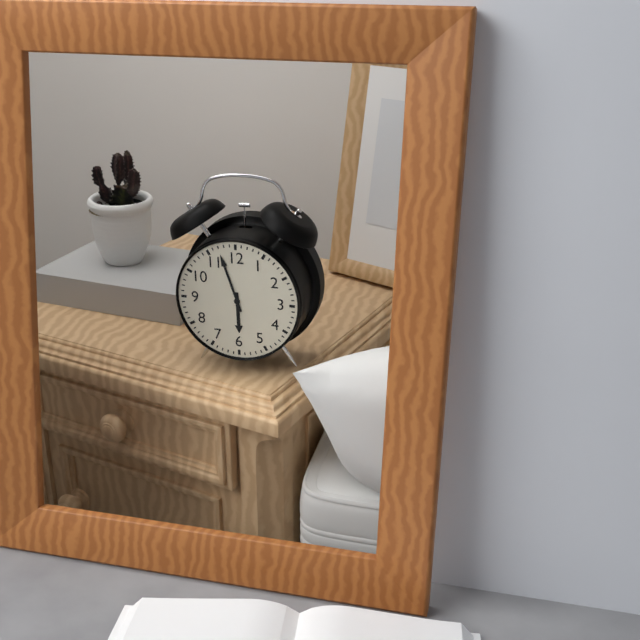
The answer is 5:57
